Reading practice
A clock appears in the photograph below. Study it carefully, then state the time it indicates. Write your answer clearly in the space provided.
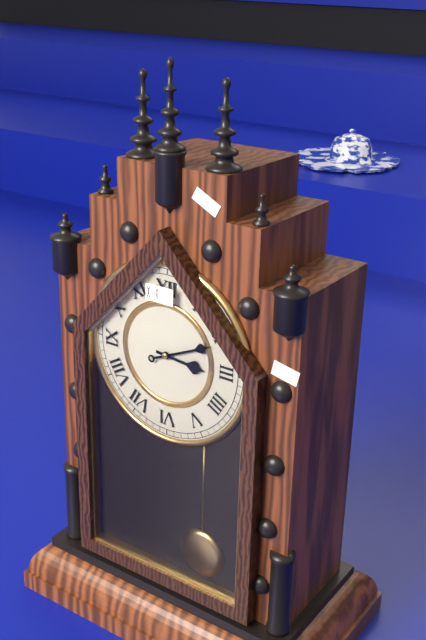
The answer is 3:11
